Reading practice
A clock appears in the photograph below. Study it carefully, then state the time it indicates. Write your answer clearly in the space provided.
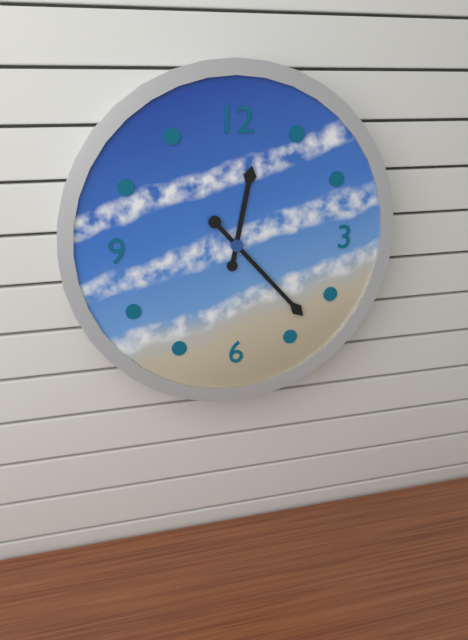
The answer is 12:23
